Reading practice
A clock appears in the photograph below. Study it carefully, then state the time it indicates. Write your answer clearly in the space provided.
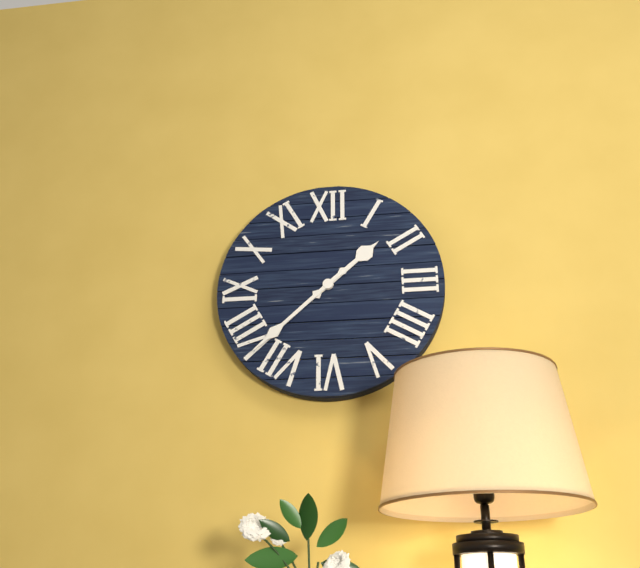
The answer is 1:38
